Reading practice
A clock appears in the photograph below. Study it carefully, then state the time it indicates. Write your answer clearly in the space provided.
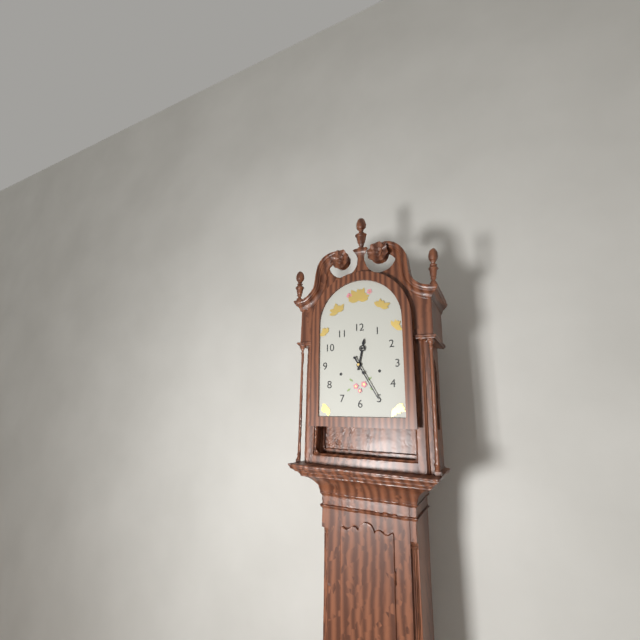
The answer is 12:25
